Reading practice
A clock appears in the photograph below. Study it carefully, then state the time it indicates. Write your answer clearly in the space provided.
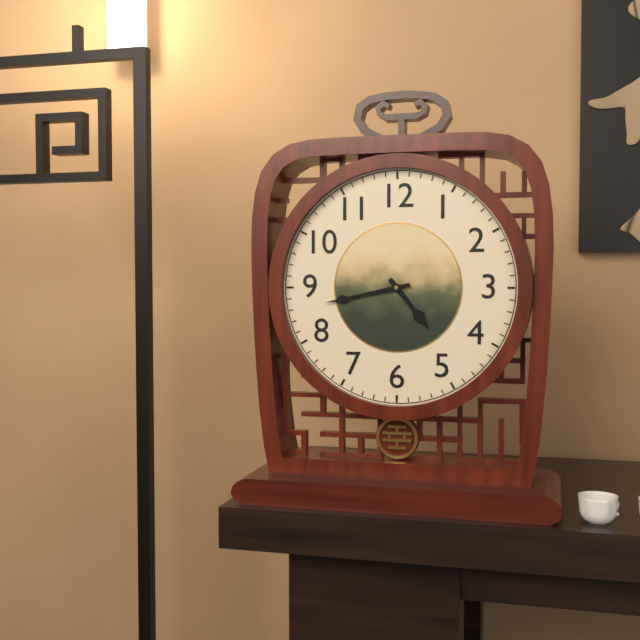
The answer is 4:43
